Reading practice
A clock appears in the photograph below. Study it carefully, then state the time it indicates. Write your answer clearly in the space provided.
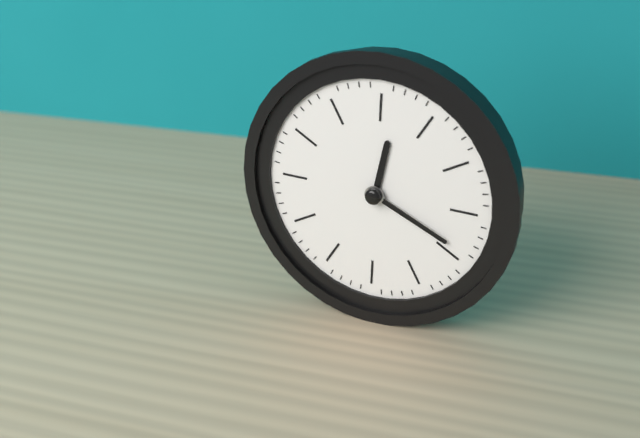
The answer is 12:19
